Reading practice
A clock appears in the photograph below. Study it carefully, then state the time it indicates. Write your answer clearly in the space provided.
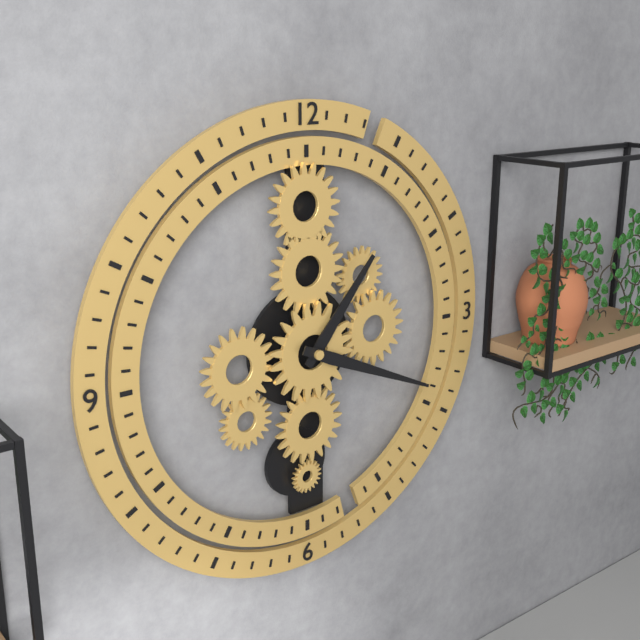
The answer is 1:19
